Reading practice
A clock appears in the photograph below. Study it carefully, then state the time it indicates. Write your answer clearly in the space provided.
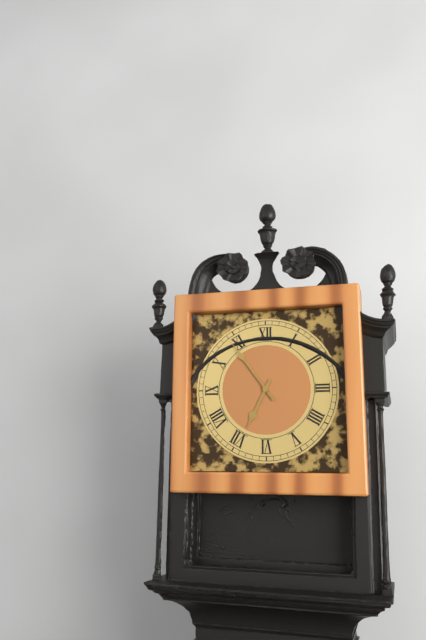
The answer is 6:54
